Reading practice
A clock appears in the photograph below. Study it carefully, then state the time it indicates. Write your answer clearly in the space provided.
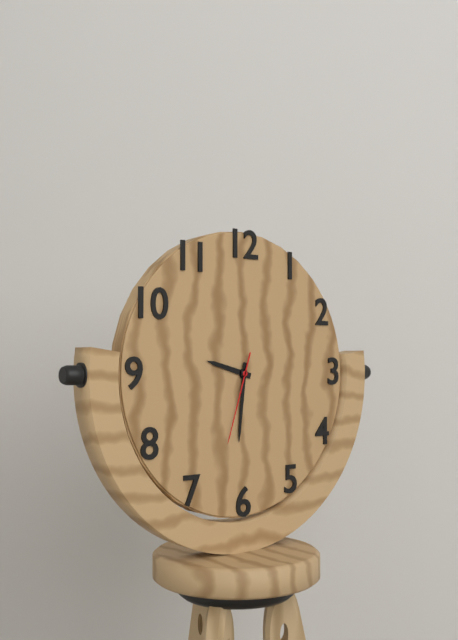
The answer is 9:31:33
